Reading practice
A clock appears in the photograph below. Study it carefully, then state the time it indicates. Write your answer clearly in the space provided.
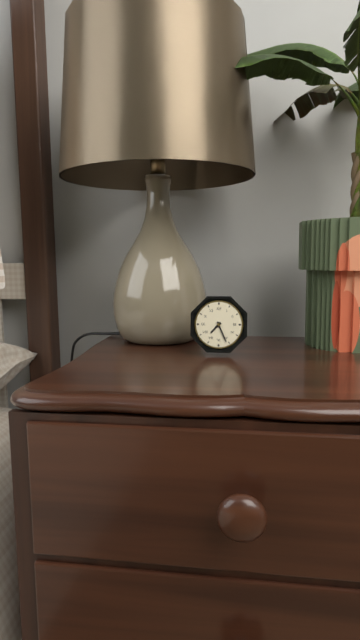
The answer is 7:26
